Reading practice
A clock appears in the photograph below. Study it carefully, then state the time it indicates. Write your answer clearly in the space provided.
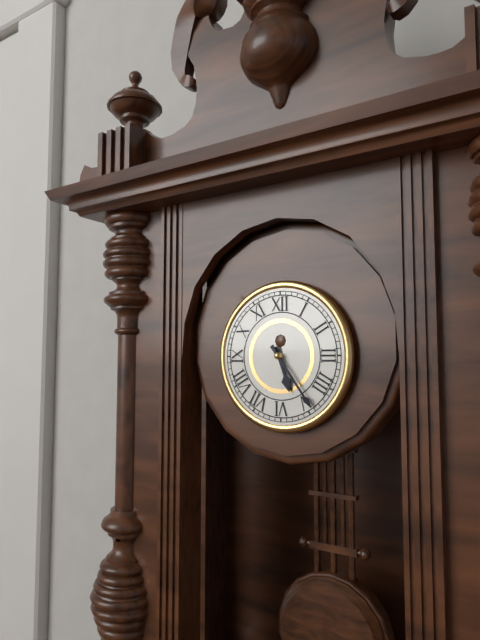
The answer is 5:24
